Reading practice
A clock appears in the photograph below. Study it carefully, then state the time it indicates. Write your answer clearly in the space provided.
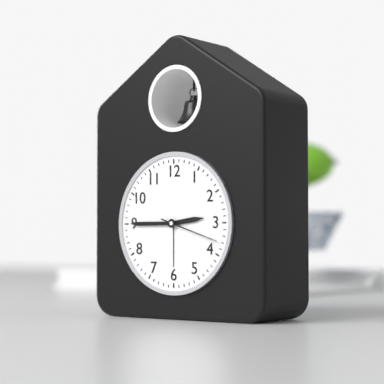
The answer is 2:45:18
